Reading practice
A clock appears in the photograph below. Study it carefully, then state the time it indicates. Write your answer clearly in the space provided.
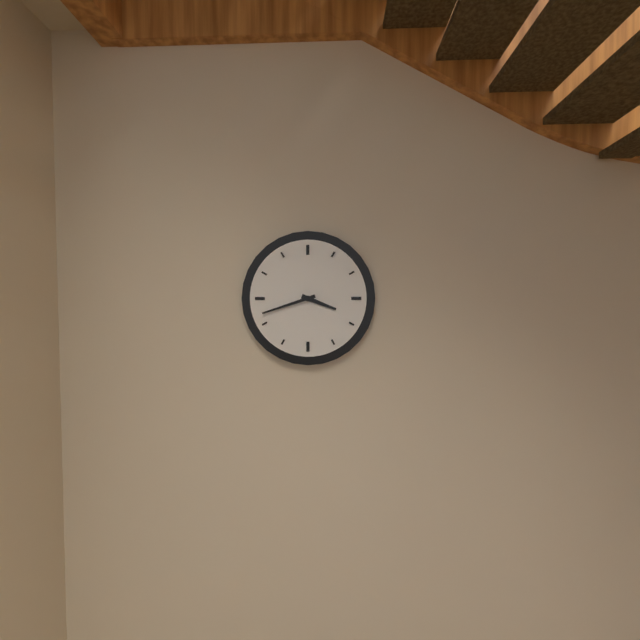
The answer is 3:42
